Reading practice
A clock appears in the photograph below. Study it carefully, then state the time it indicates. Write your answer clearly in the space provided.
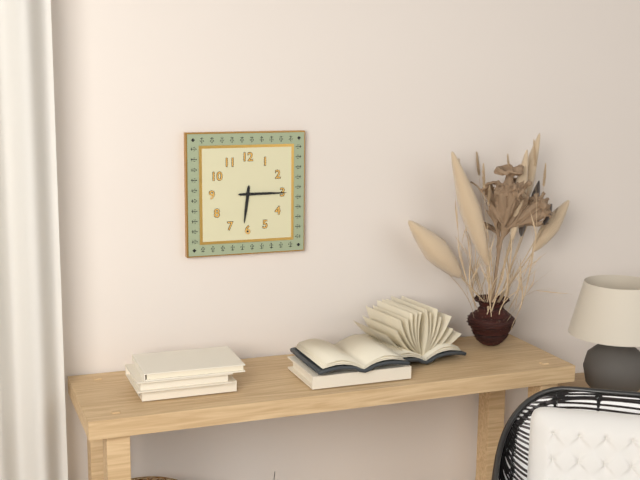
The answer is 6:15
